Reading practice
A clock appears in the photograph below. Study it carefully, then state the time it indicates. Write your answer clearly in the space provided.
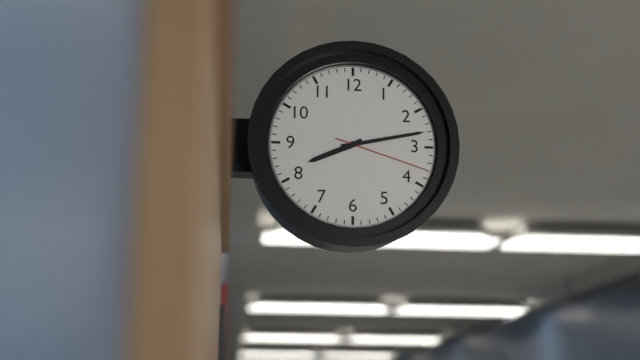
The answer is 8:13:18
